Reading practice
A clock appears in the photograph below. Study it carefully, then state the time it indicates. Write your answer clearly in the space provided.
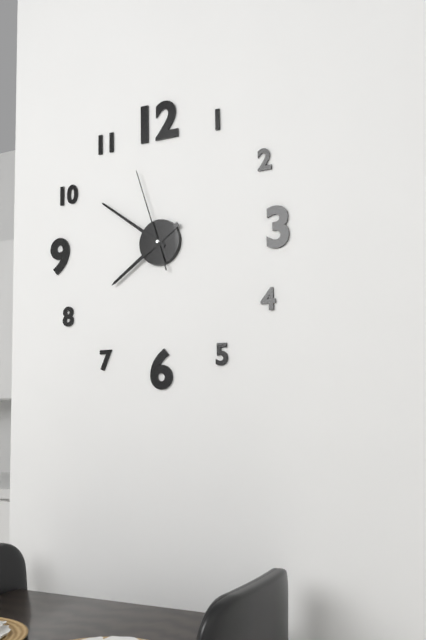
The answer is 7:51:57
